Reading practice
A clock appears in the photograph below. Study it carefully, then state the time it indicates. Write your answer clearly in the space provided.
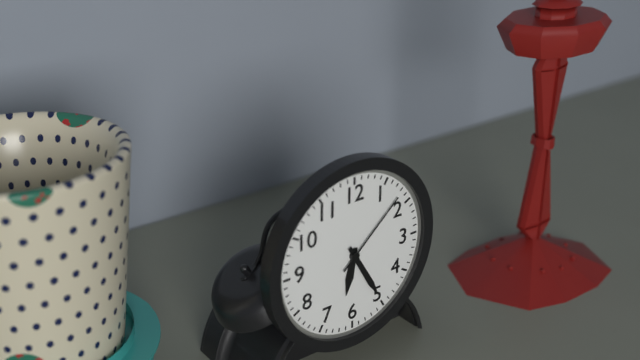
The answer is 6:25:08
